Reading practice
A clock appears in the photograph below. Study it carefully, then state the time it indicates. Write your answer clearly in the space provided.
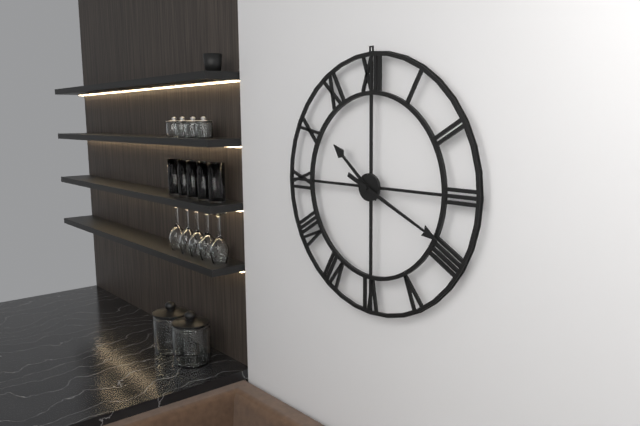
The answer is 10:19
